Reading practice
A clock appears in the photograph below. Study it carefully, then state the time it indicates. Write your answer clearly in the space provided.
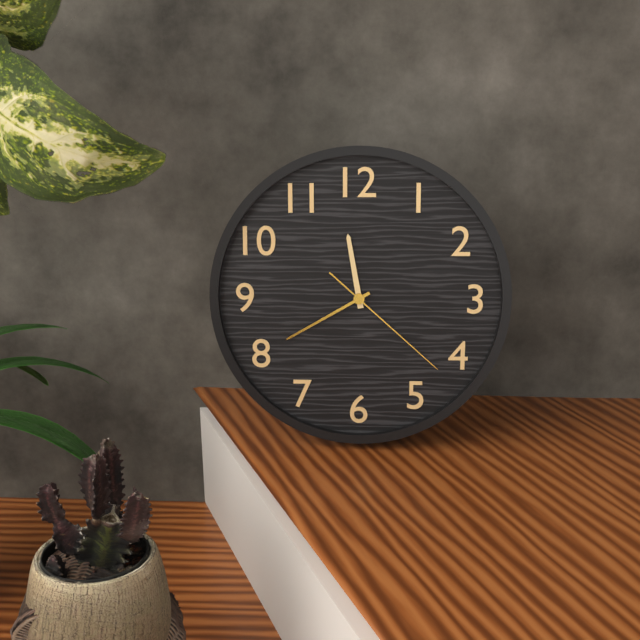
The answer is 11:40:22
